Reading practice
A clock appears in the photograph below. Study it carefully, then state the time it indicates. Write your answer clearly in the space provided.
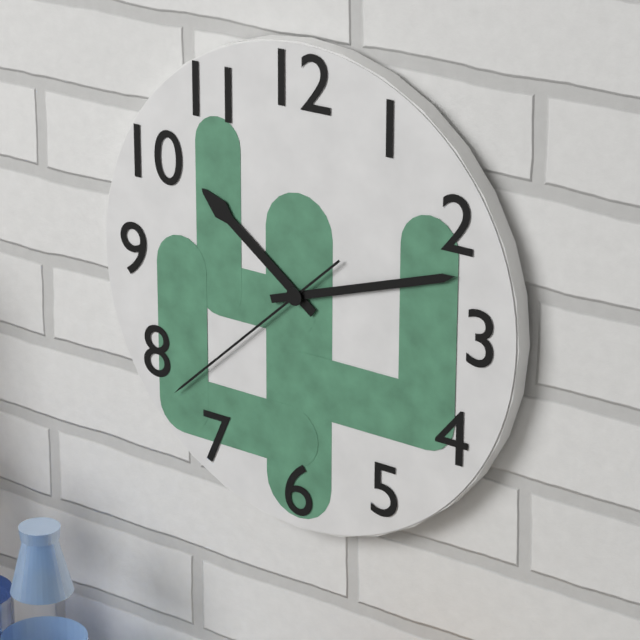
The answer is 10:12:38
